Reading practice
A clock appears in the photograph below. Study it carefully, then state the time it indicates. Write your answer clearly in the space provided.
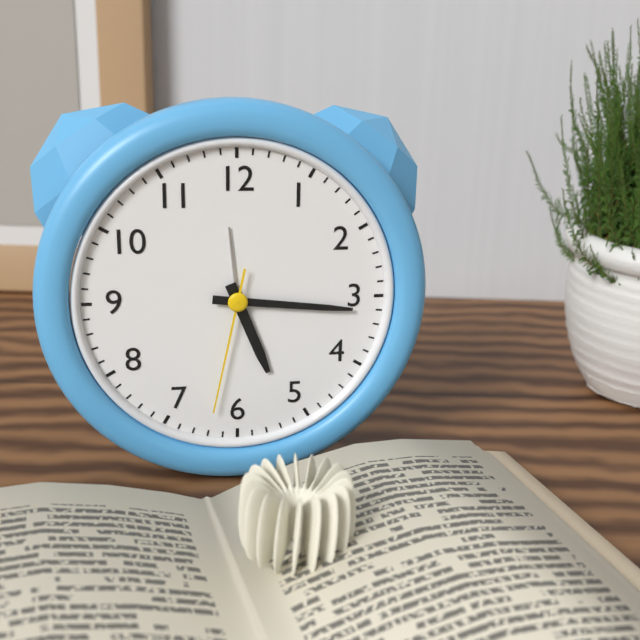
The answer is 5:16:32
